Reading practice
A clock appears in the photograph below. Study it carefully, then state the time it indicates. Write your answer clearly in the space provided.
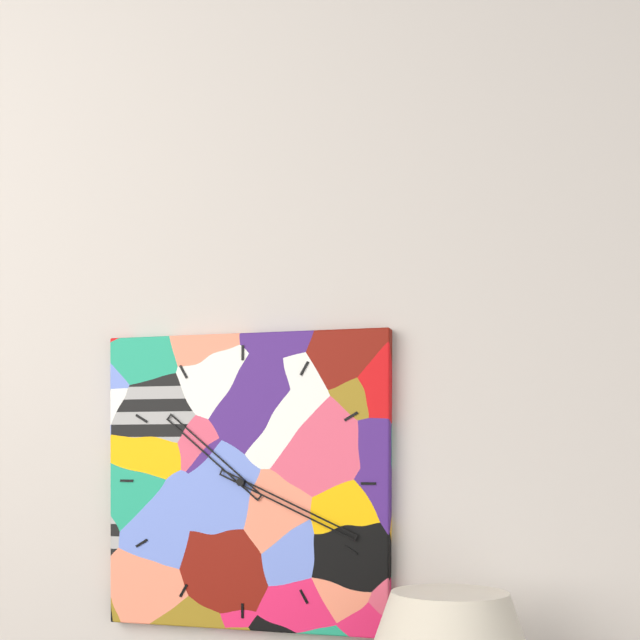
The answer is 10:19
